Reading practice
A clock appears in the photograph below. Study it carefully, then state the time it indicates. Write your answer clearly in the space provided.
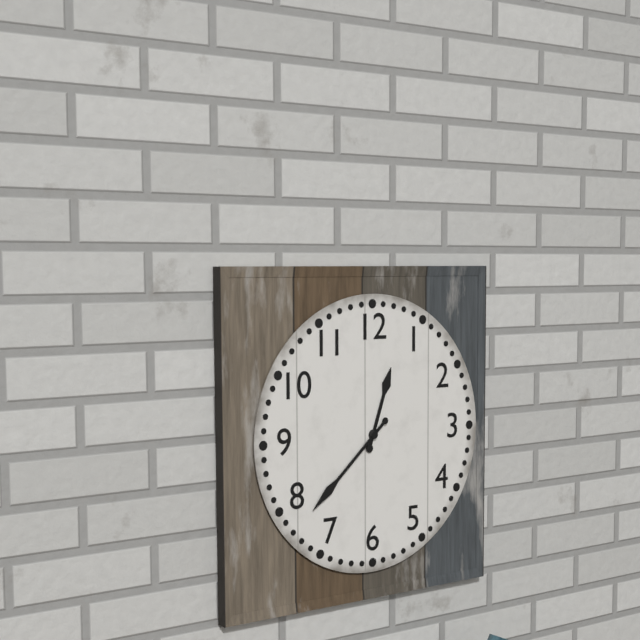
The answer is 12:38
